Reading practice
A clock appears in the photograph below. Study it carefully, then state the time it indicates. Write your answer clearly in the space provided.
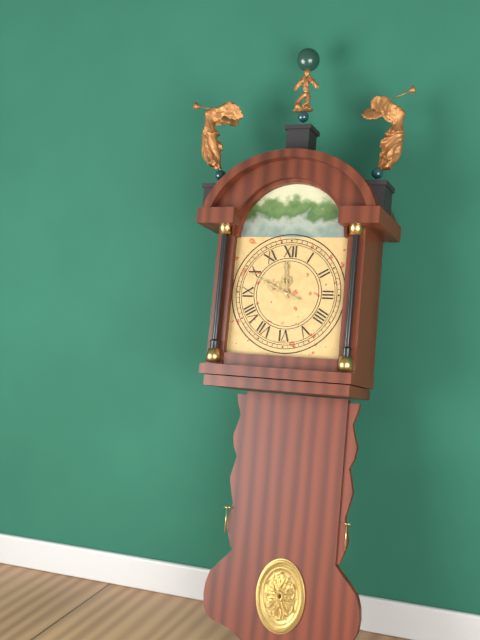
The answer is 11:49
